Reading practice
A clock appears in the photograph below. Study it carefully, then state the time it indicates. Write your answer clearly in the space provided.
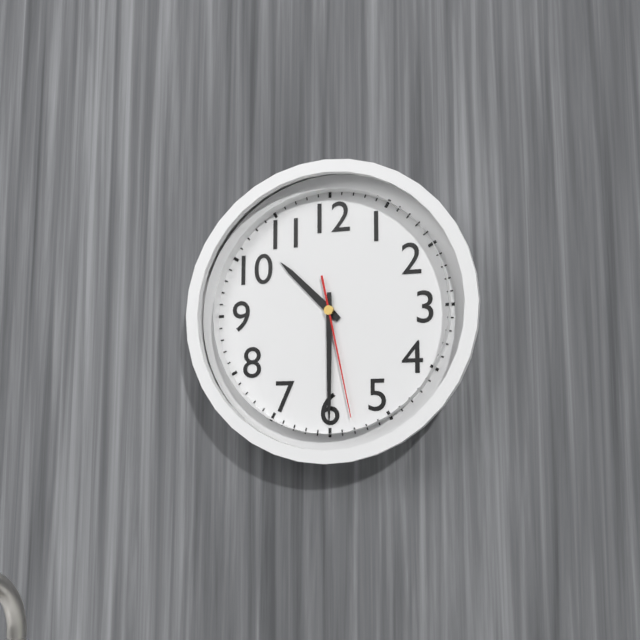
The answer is 10:30:28
